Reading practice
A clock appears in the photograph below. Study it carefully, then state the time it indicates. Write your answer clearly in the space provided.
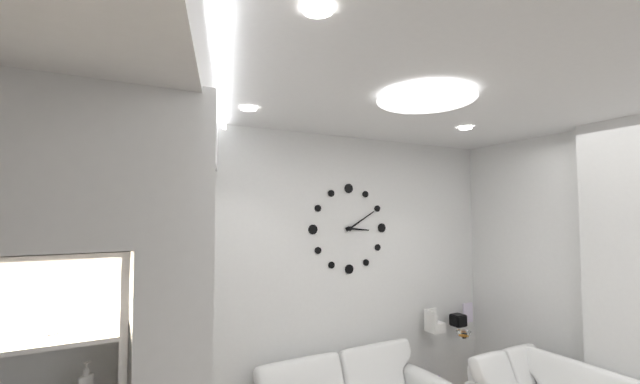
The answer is 3:10
